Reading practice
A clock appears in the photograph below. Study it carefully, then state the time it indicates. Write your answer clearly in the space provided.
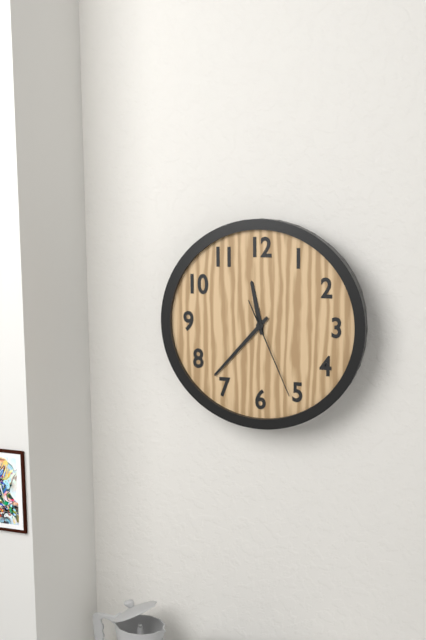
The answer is 11:37:26
